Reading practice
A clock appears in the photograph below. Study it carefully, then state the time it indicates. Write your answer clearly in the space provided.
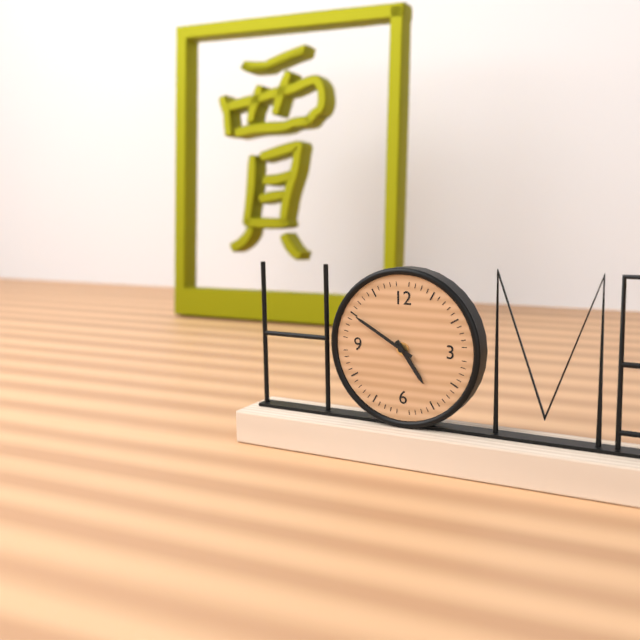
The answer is 4:50
